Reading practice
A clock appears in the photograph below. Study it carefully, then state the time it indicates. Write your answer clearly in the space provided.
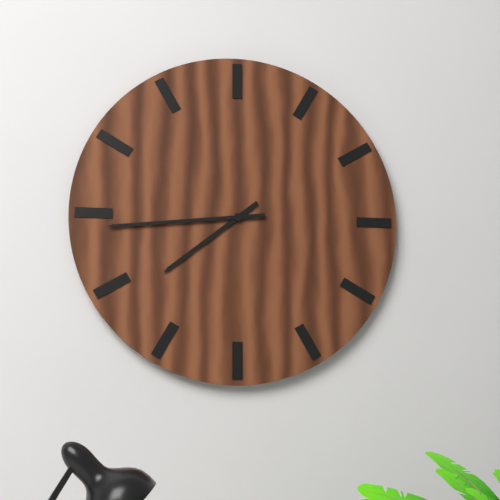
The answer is 7:44
